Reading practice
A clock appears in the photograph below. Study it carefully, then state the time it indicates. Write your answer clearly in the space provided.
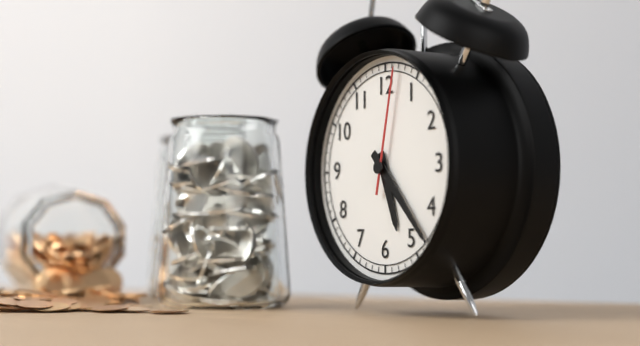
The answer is 5:23:02
